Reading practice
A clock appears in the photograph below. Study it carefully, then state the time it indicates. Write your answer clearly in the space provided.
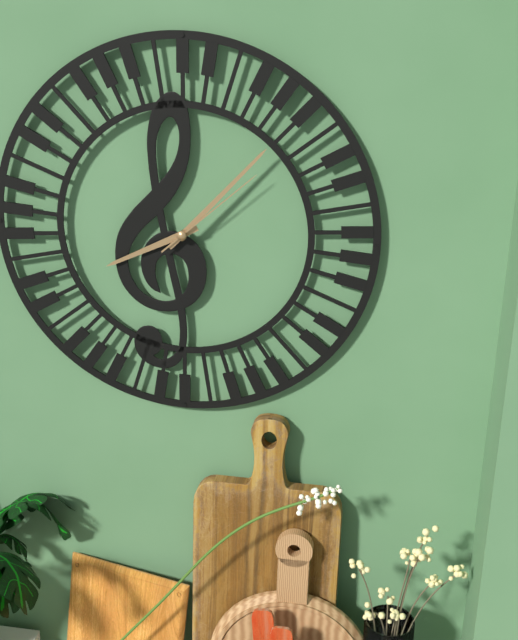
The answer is 8:07:08
